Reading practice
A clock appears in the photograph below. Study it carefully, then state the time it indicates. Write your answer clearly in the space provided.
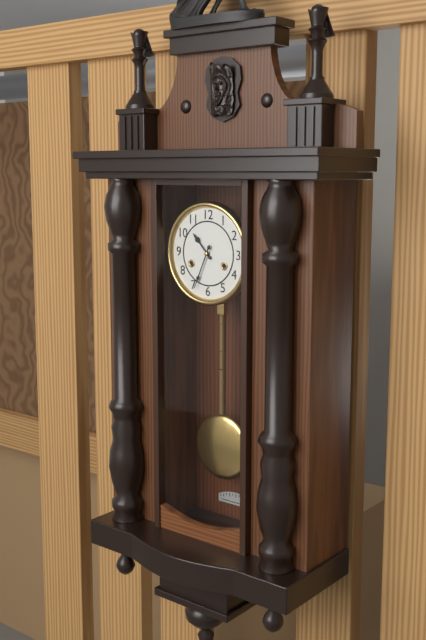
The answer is 10:34
